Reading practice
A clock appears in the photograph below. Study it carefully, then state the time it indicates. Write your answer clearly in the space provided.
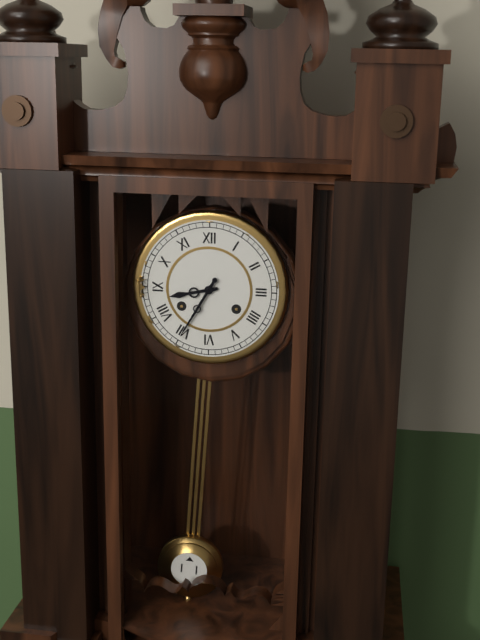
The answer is 8:35
